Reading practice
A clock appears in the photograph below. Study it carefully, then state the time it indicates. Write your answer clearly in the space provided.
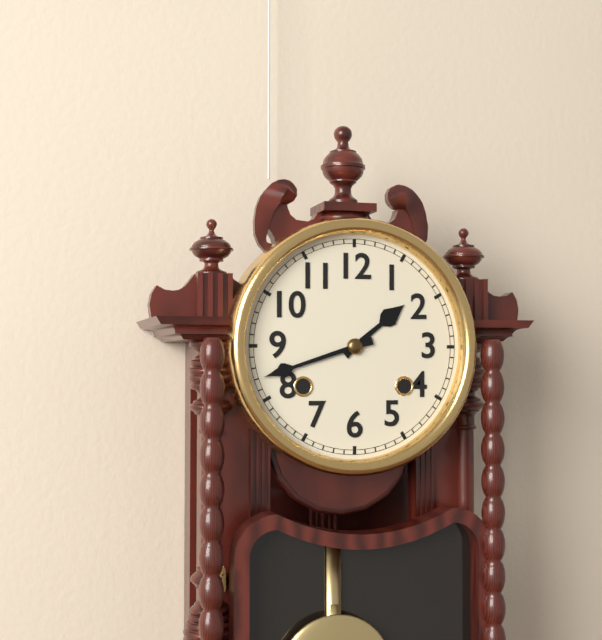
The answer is 1:42
